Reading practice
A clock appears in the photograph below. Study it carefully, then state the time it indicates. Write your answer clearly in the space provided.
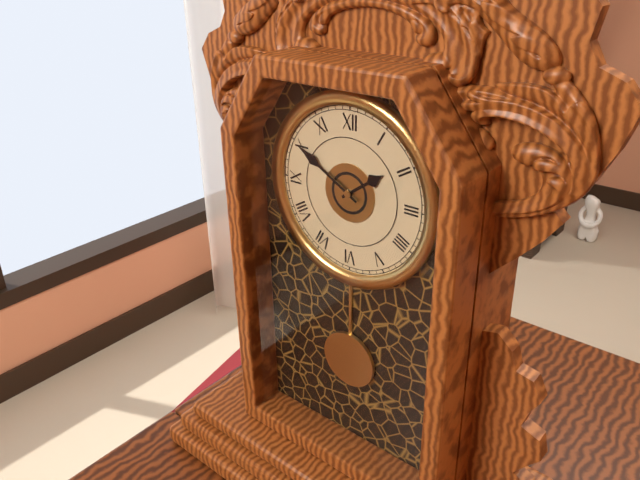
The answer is 1:50
